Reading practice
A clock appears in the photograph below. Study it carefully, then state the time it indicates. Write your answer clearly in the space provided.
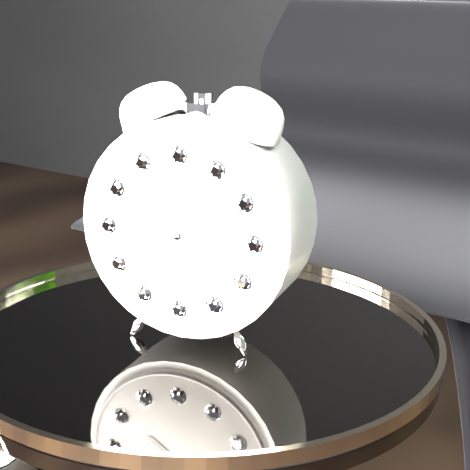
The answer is 7:53:41
